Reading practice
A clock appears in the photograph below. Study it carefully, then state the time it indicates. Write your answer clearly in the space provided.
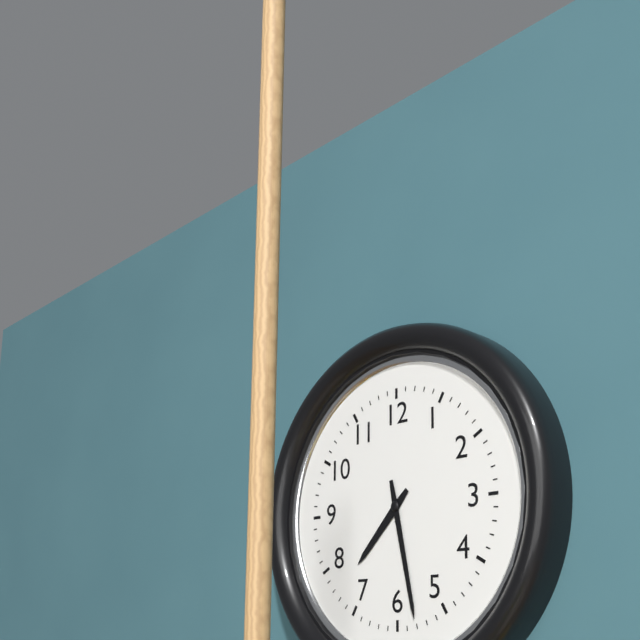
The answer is 7:28
